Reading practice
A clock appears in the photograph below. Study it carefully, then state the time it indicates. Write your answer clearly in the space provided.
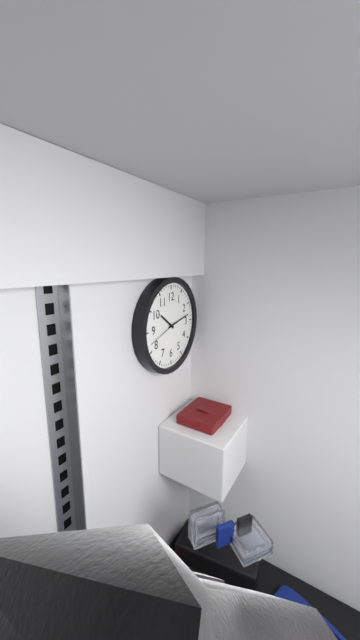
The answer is 10:13
